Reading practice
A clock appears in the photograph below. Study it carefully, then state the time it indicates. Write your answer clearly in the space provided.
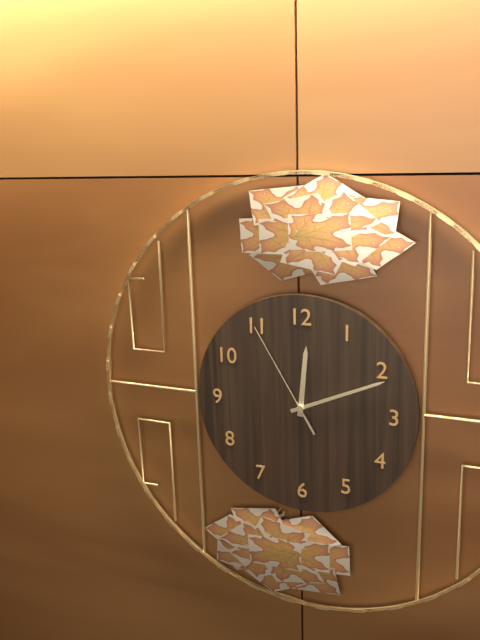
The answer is 12:11:55
